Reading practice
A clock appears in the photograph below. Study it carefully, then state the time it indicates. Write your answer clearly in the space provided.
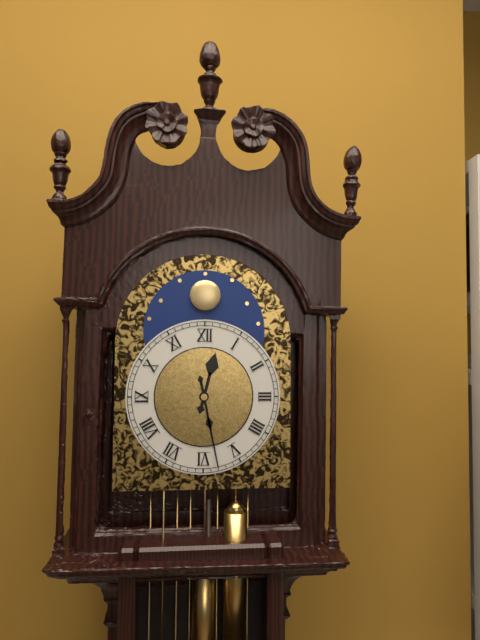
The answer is 12:28
